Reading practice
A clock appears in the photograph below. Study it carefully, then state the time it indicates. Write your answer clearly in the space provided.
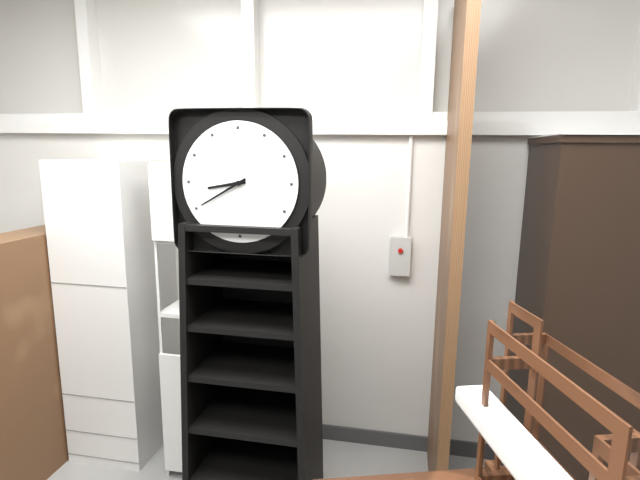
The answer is 8:40
